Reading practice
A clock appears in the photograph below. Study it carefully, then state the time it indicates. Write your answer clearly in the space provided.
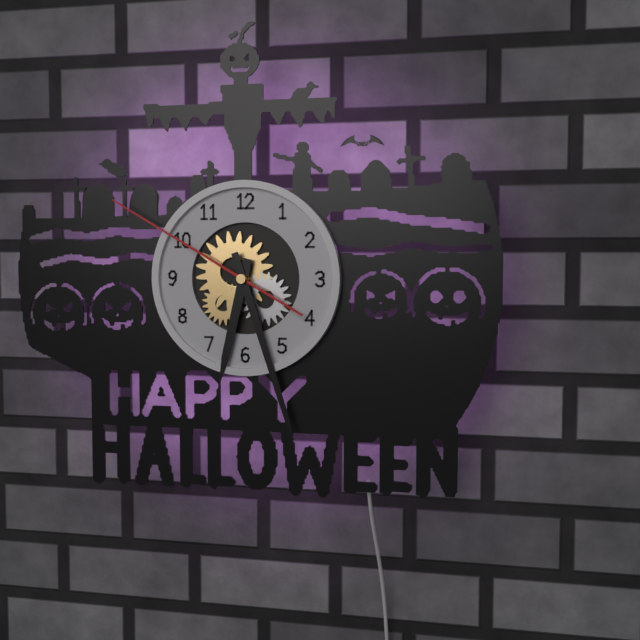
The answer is 6:27:50
